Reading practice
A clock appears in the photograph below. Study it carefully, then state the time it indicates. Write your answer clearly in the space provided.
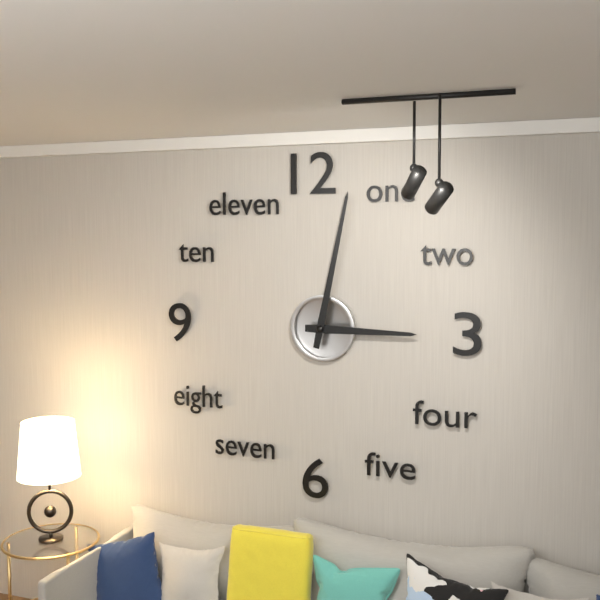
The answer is 3:02
